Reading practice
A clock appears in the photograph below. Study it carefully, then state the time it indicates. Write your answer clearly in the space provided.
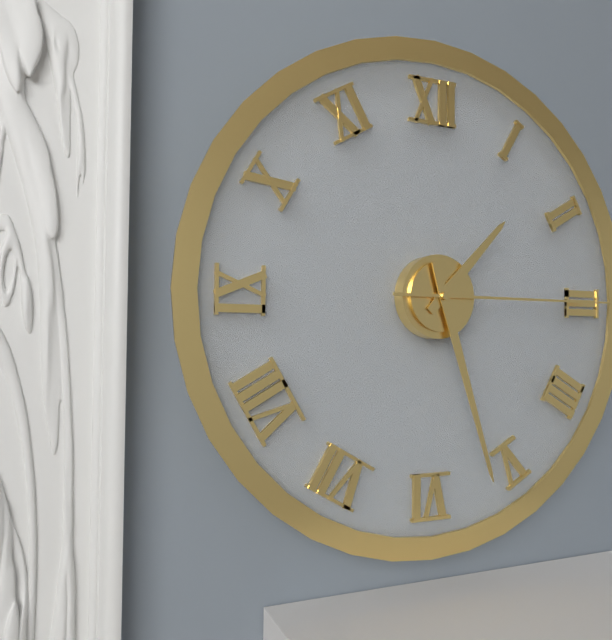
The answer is 1:27:15
